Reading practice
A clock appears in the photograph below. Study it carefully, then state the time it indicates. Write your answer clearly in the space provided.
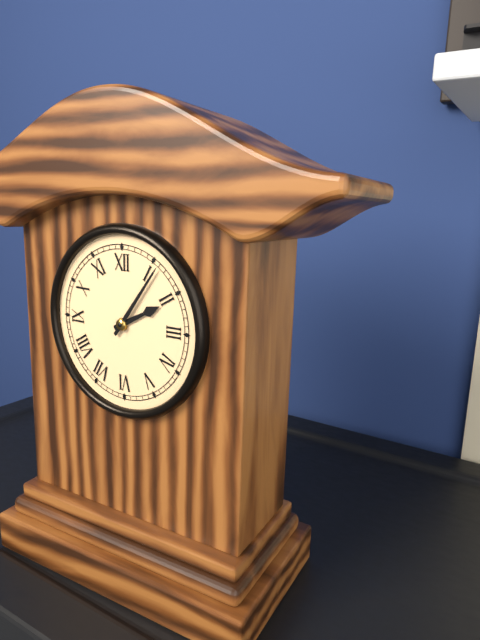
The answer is 2:06
